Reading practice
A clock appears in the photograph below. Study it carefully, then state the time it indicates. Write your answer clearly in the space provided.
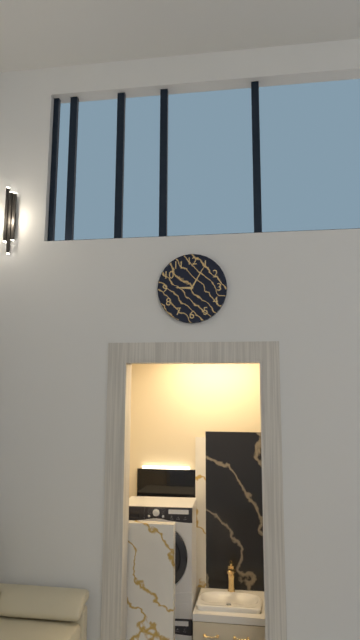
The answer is 9:05
